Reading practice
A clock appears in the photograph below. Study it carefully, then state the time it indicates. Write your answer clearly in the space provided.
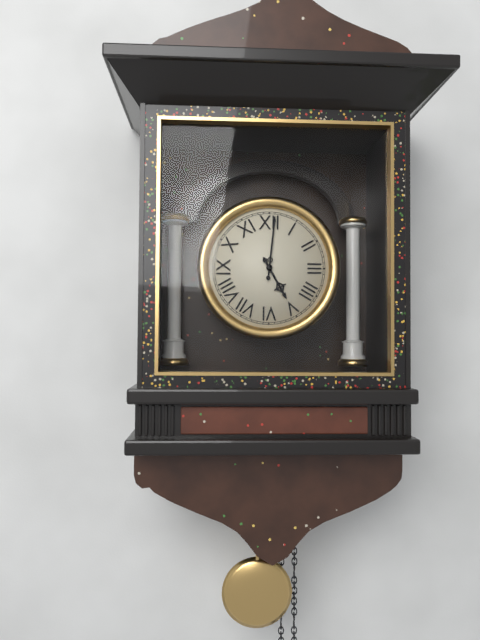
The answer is 5:01
